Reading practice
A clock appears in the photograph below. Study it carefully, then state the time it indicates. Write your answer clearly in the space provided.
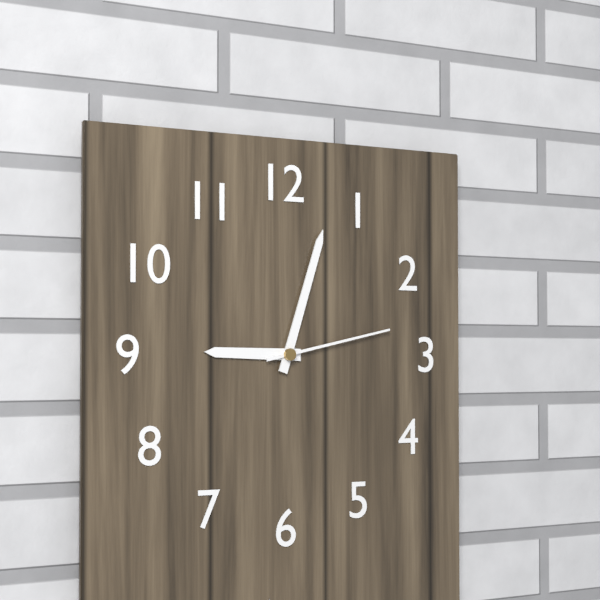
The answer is 9:03:13
